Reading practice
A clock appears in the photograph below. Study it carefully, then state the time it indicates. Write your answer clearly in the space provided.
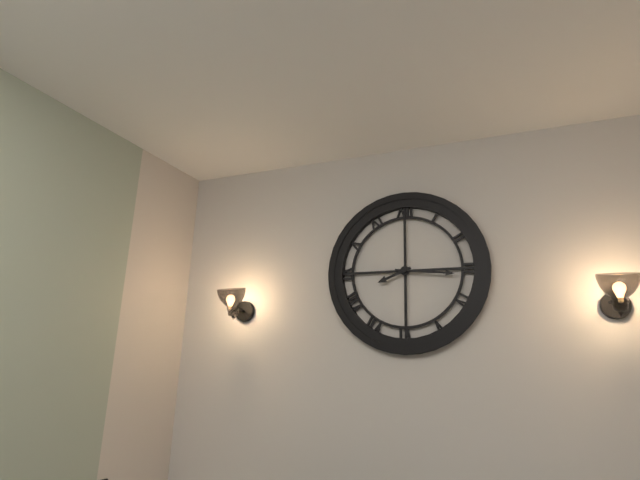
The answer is 8:16
